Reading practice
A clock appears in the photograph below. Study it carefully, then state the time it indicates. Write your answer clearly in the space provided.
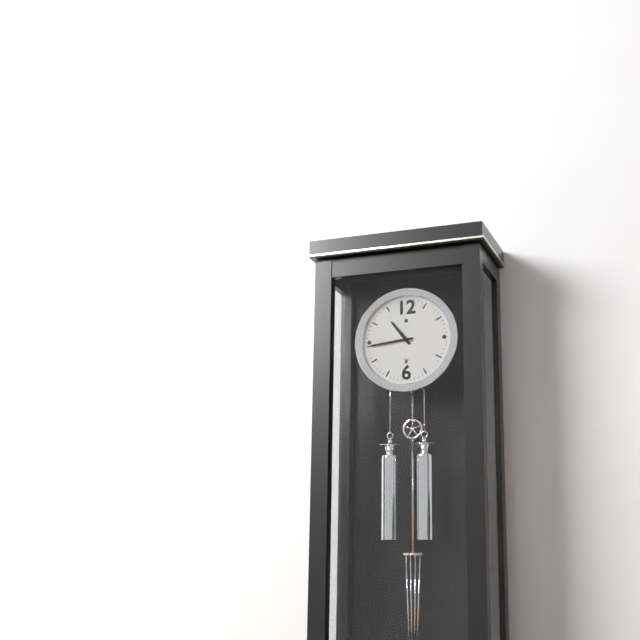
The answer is 10:44
